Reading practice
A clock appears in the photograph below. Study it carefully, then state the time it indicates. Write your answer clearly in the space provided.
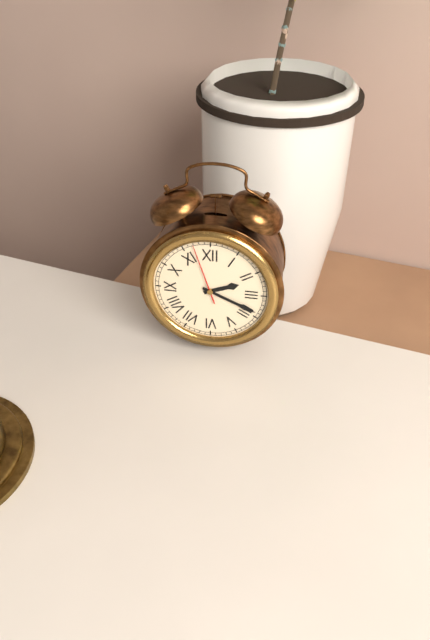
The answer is 2:19:57
